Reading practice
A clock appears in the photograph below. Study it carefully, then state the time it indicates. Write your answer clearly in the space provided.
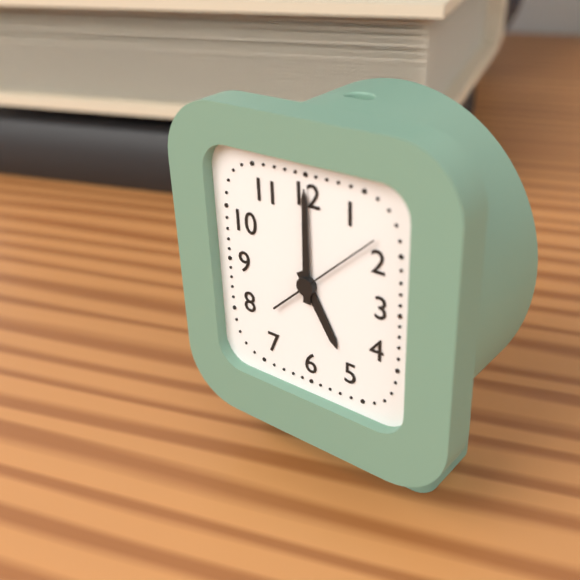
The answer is 5:00
